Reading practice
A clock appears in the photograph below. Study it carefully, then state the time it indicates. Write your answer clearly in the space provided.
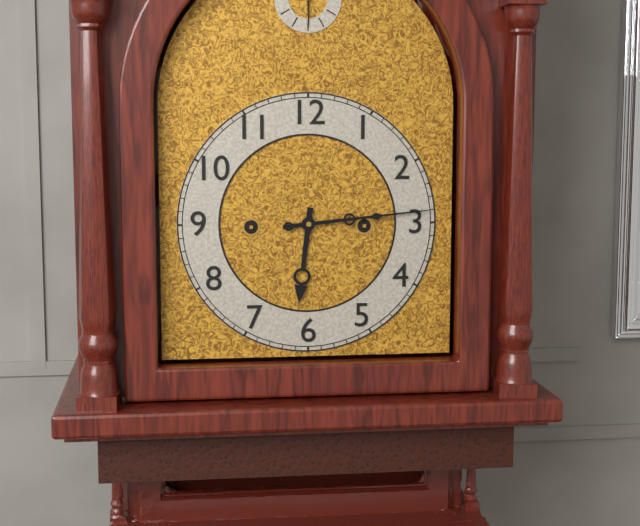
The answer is 6:14
